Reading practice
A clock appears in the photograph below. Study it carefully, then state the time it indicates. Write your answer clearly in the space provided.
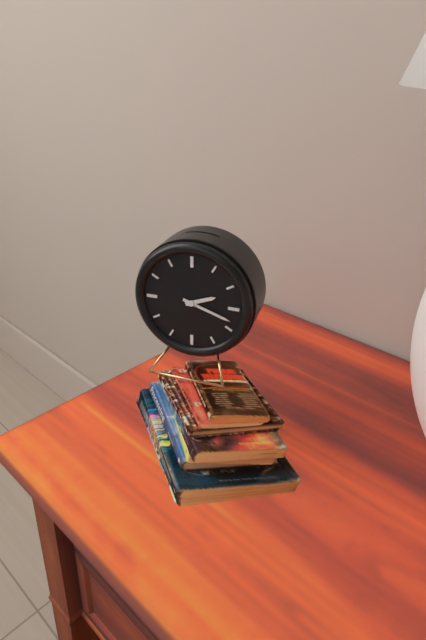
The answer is 2:18
